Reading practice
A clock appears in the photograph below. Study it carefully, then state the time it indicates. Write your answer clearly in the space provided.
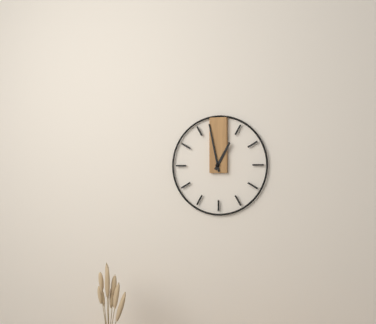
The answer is 12:58
